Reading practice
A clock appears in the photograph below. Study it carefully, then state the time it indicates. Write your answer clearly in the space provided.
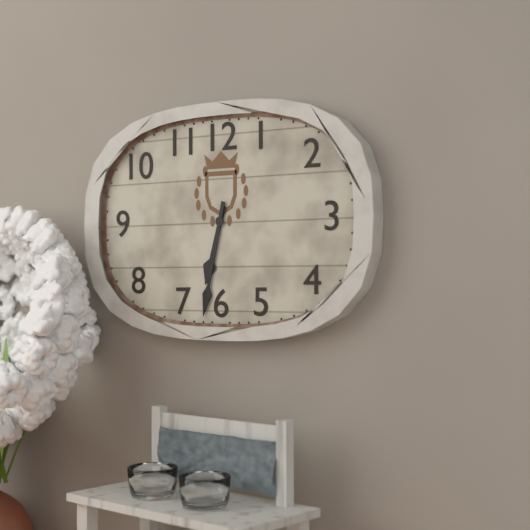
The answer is 6:32
